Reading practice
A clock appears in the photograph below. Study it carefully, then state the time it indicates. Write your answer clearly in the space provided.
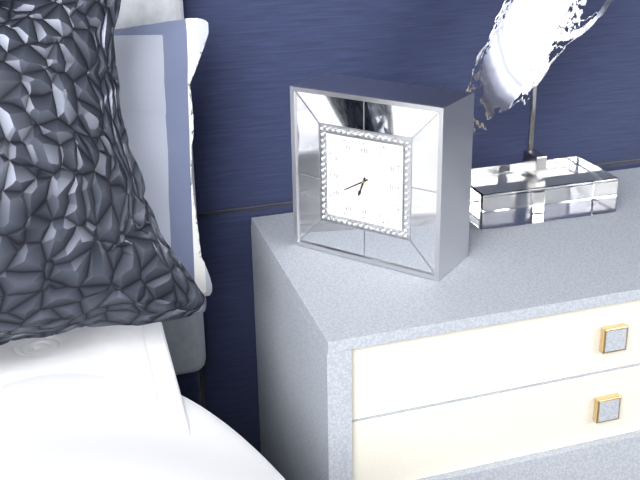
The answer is 6:40
